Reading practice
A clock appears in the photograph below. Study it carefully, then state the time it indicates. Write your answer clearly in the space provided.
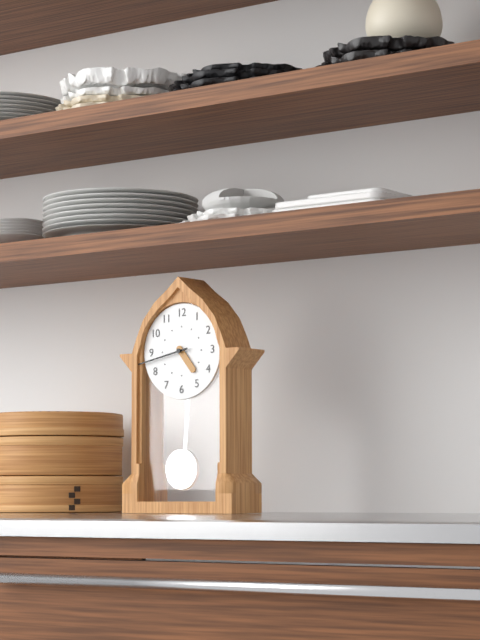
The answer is 4:43
